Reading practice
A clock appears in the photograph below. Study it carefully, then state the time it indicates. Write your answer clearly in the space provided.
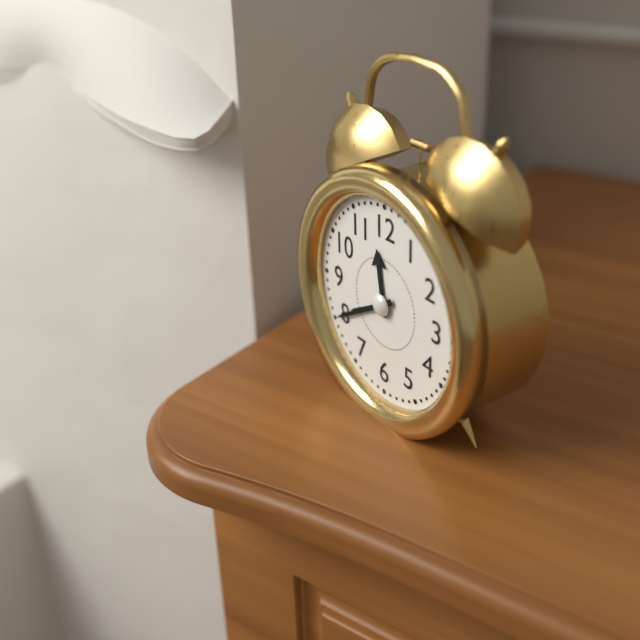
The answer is 11:40
